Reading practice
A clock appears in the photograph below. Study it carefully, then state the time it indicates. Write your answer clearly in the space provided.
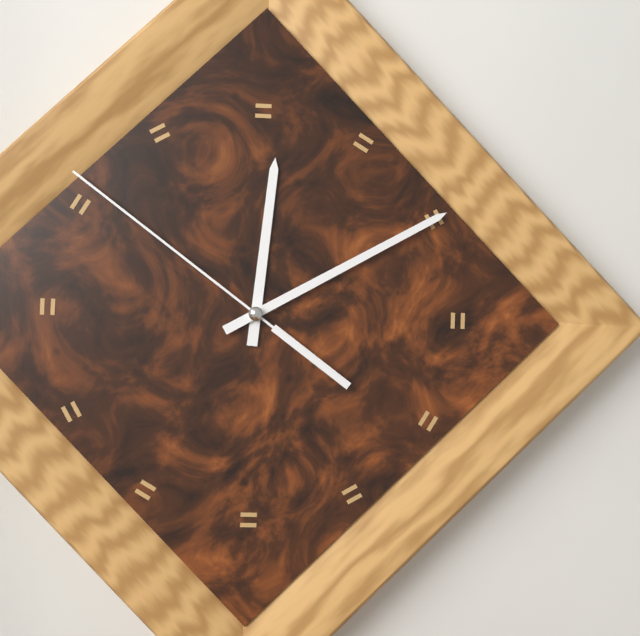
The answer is 12:10:51
